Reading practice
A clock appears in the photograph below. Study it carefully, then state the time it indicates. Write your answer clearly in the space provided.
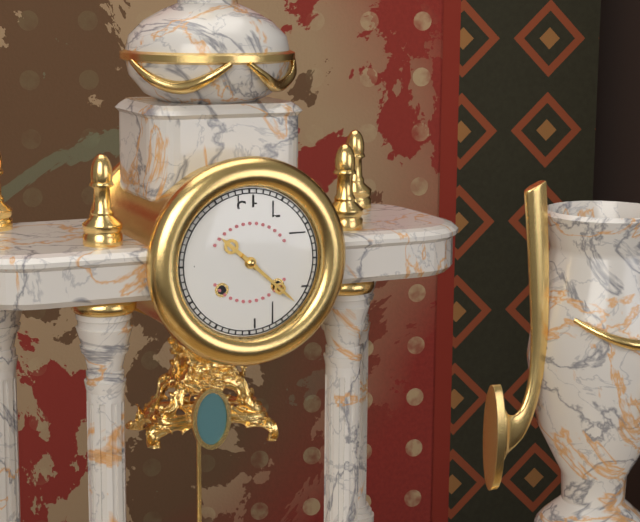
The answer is 10:22
